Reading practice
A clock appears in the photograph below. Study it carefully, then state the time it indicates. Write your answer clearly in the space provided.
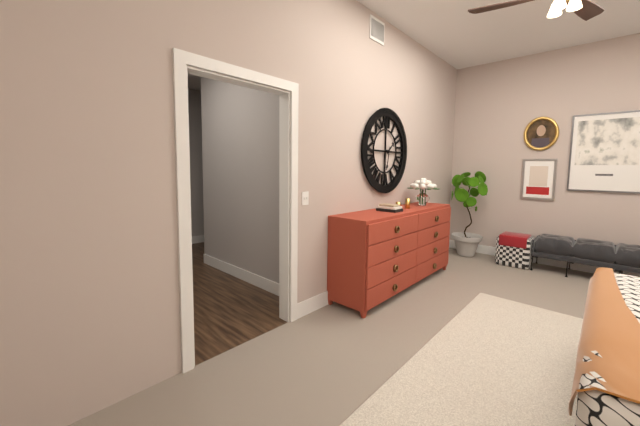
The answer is 1:32
